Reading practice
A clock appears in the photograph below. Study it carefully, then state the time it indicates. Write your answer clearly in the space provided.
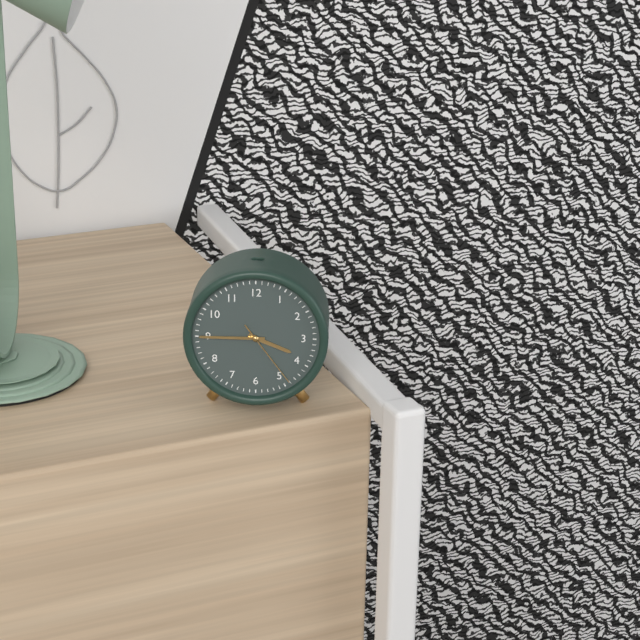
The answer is 3:45:24
